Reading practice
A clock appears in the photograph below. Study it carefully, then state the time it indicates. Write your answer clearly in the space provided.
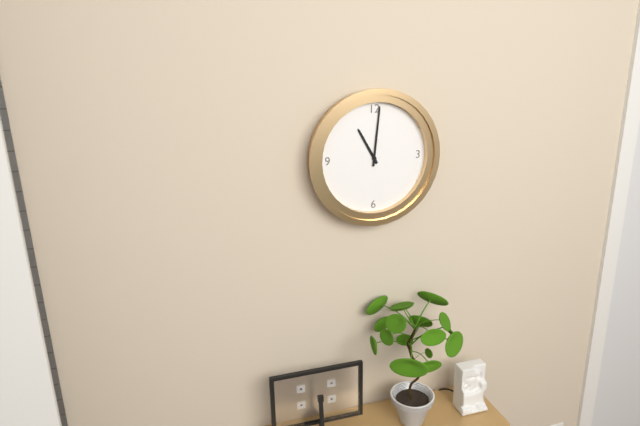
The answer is 11:01
